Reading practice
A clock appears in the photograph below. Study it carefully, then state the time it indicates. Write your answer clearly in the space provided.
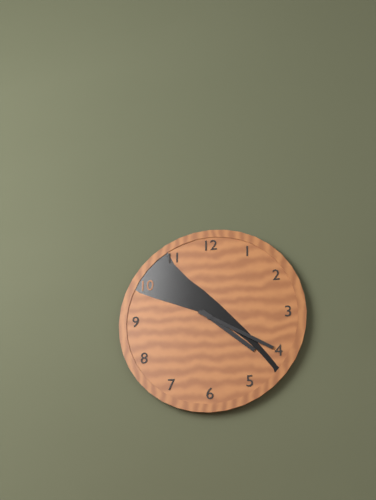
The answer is 4:20
